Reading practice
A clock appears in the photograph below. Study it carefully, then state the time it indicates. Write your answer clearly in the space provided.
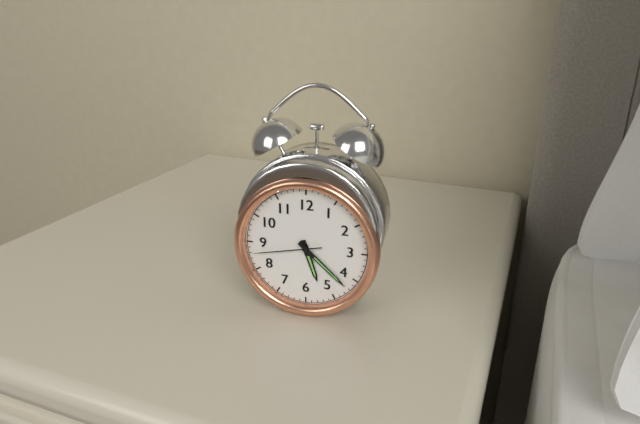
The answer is 5:22:43
